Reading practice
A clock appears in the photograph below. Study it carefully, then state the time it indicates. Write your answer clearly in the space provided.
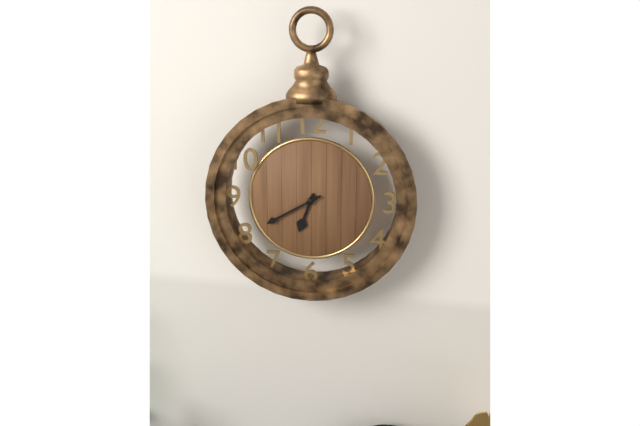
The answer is 6:40
